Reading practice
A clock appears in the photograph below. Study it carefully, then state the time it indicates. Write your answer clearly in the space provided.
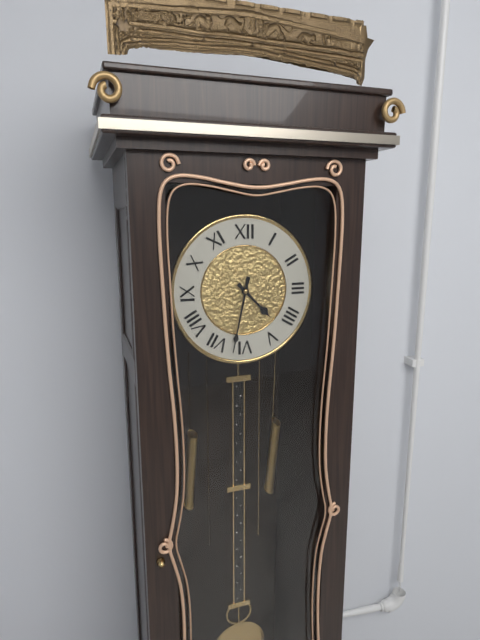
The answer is 4:32
